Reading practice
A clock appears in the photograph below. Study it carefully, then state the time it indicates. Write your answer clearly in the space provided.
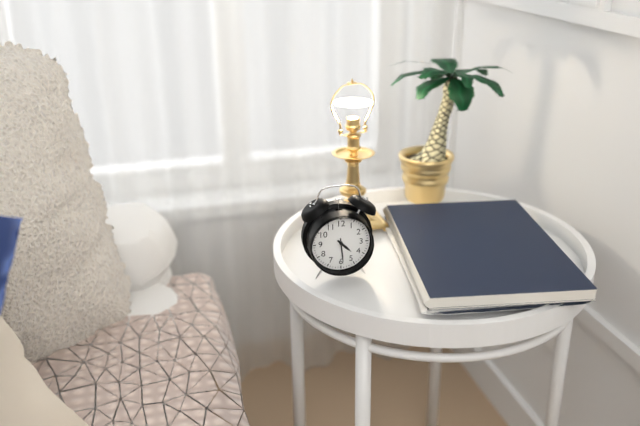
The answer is 4:29
